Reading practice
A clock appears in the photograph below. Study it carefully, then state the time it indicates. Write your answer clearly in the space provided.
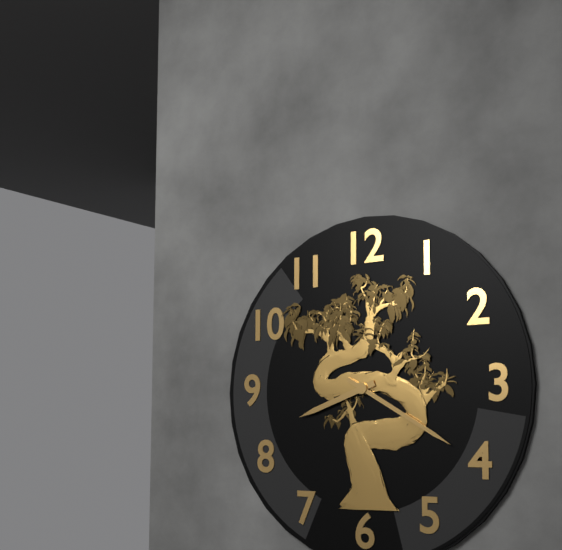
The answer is 8:20
